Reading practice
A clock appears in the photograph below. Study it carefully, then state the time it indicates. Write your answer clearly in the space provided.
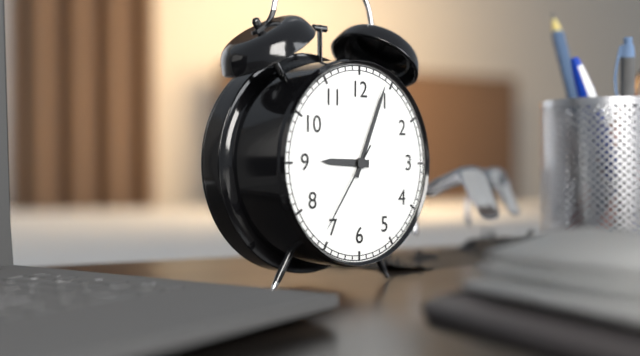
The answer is 9:04:36
